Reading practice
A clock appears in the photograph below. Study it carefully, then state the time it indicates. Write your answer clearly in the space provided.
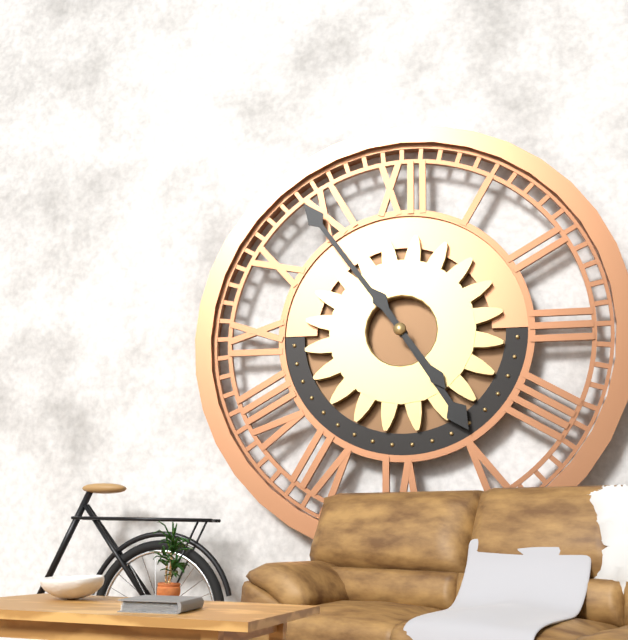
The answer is 4:54
